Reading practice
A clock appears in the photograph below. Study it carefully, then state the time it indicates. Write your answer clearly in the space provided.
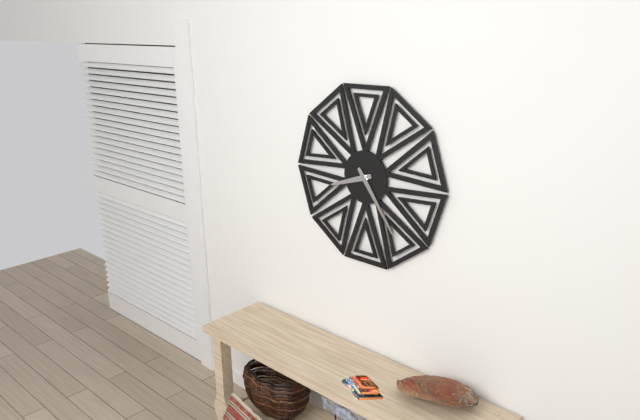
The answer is 8:24
